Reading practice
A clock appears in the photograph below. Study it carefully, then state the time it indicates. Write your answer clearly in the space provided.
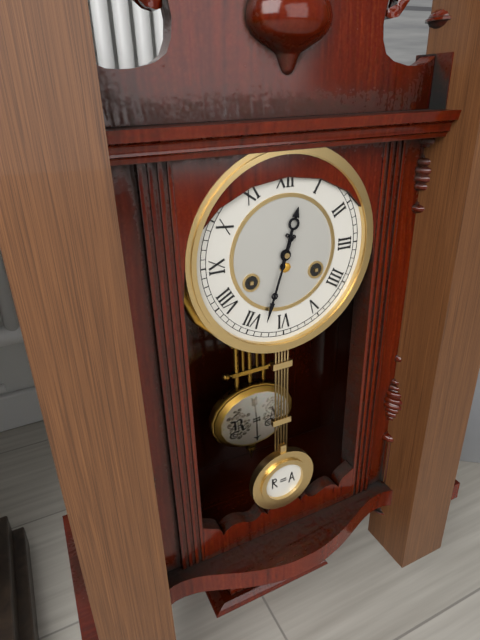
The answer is 12:33
